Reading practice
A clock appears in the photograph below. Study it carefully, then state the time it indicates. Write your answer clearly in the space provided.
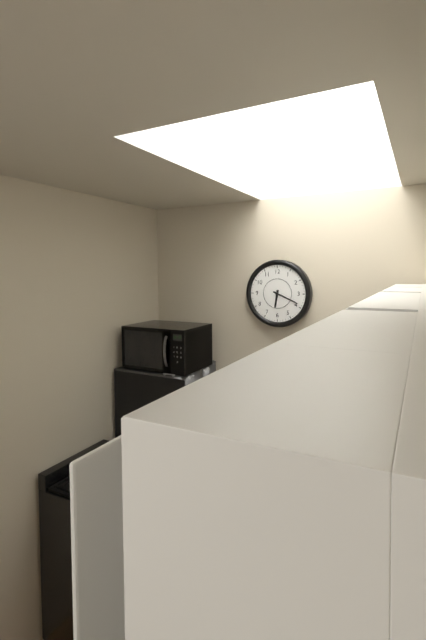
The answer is 6:19
